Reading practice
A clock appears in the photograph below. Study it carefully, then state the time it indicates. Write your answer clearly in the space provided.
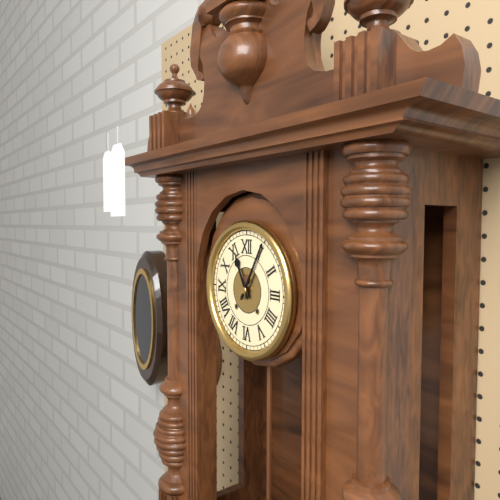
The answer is 11:05
